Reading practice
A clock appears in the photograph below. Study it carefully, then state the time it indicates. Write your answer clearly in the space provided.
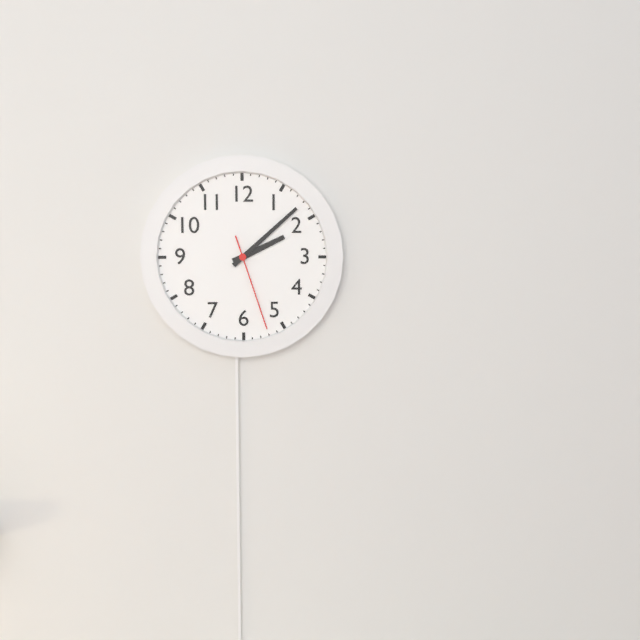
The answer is 2:08:27
